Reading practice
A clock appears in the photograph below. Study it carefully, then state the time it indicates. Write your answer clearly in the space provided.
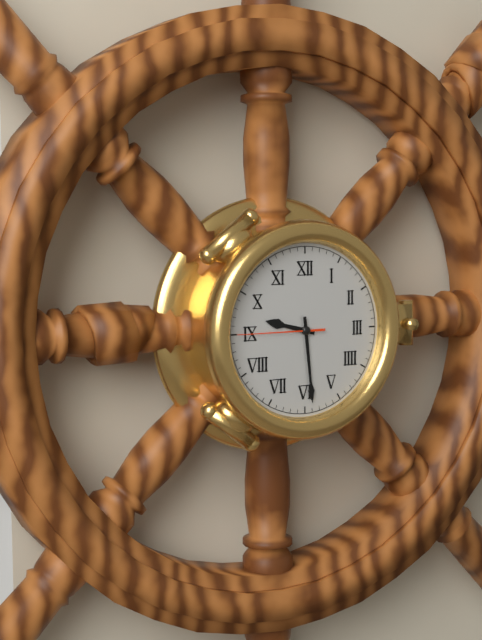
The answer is 9:29:45
